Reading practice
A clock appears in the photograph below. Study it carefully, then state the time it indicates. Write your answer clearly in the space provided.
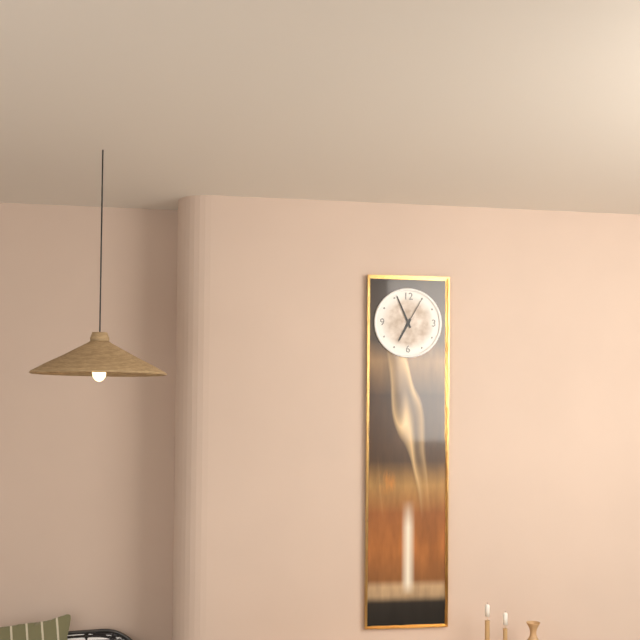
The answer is 6:56
